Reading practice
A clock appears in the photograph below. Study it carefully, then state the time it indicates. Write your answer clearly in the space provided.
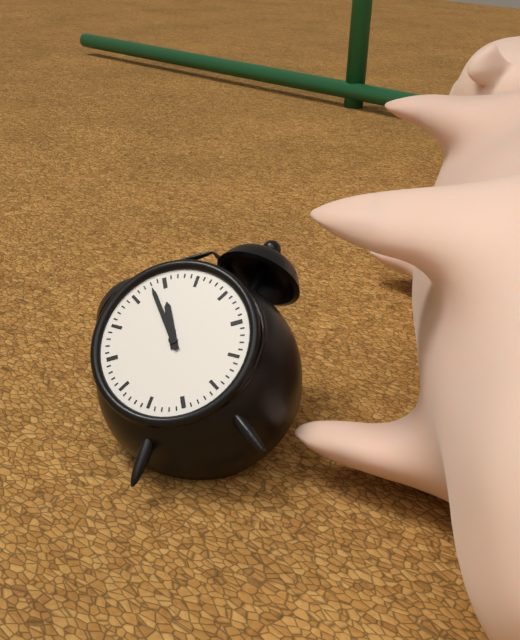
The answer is 11:58
